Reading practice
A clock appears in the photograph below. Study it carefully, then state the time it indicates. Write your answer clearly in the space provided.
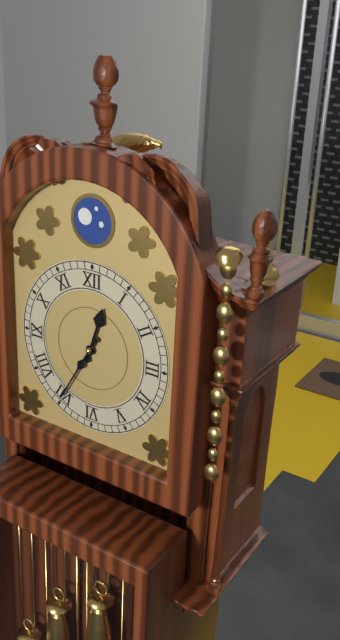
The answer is 12:35
